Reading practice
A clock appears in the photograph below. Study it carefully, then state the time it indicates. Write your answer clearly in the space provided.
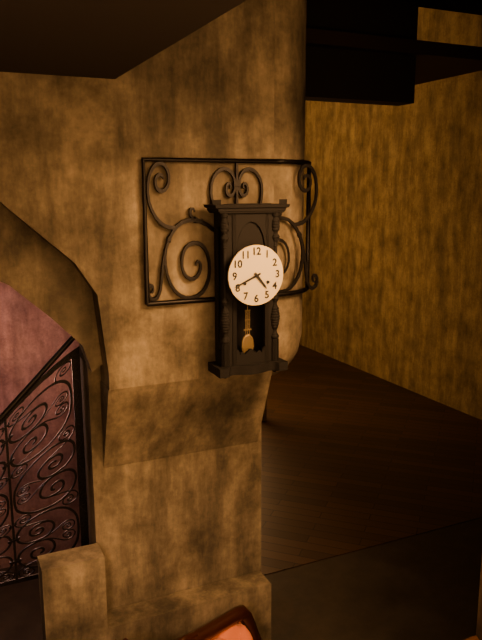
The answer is 4:41
